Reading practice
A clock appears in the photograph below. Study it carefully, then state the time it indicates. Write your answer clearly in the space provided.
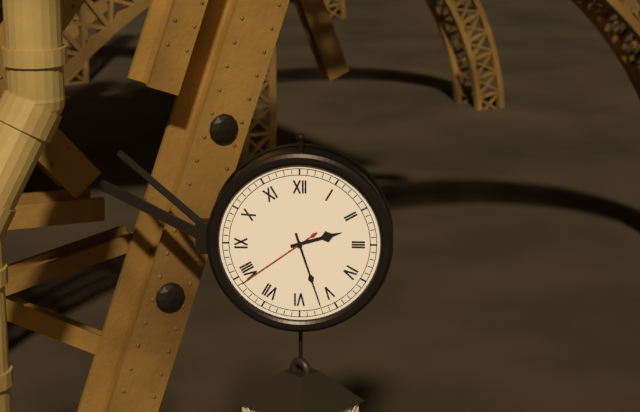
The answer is 2:27:39
